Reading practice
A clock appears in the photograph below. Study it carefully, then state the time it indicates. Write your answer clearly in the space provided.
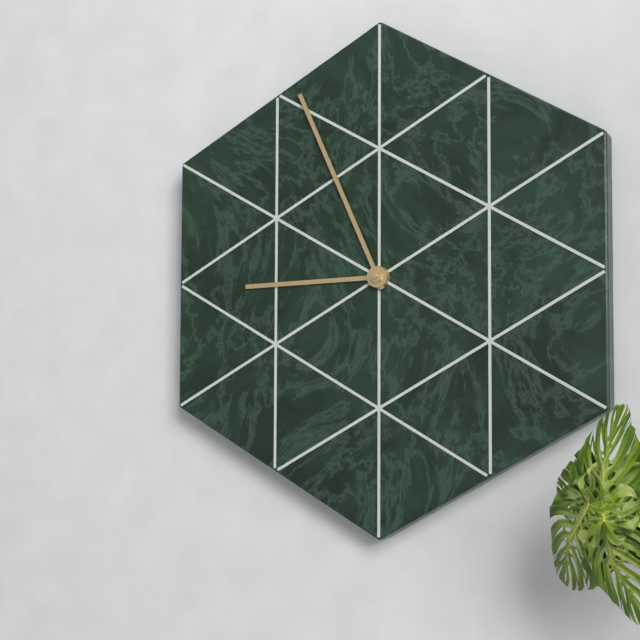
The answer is 8:56
